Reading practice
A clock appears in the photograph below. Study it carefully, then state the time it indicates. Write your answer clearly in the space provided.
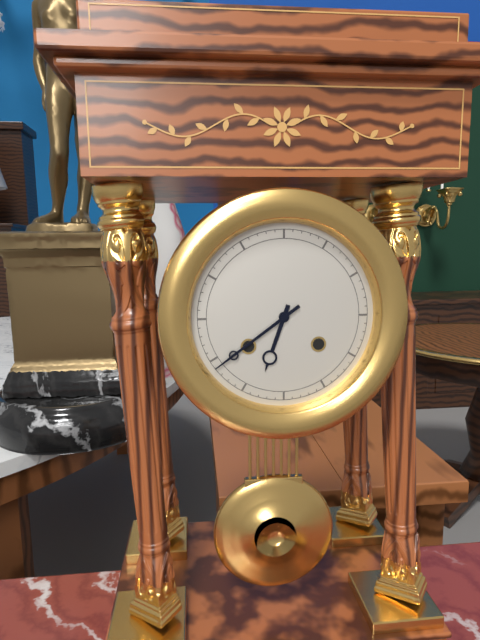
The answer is 6:39
